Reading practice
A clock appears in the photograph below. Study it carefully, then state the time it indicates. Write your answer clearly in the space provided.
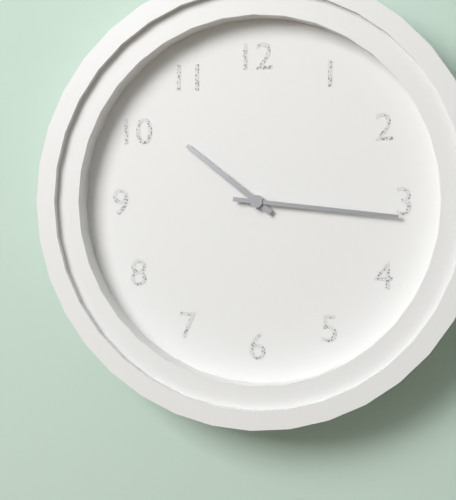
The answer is 10:16
